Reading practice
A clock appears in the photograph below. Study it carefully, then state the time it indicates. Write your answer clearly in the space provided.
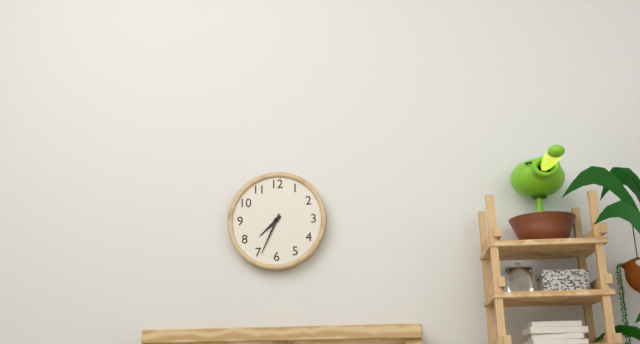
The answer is 7:34
